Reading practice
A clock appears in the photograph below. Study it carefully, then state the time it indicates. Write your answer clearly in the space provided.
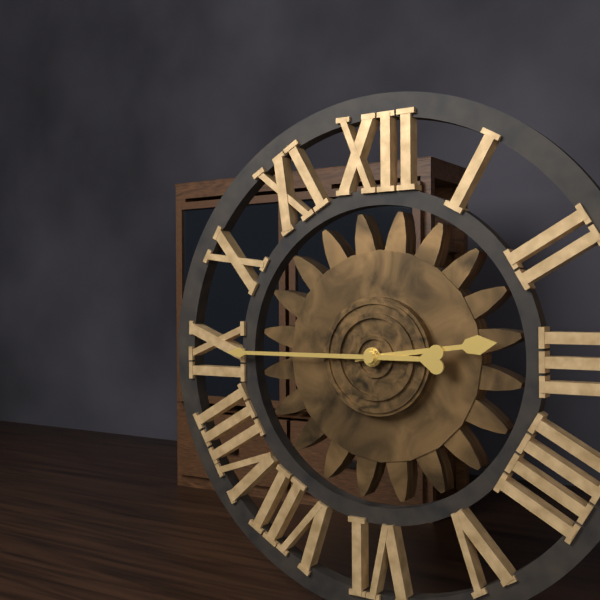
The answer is 2:45
